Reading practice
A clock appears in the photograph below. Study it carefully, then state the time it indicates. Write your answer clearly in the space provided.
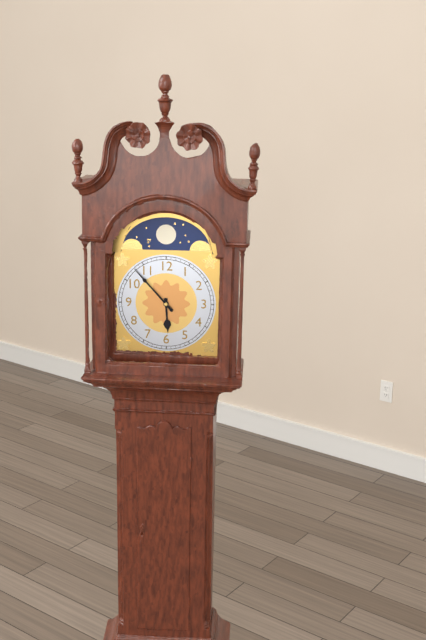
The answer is 5:53
